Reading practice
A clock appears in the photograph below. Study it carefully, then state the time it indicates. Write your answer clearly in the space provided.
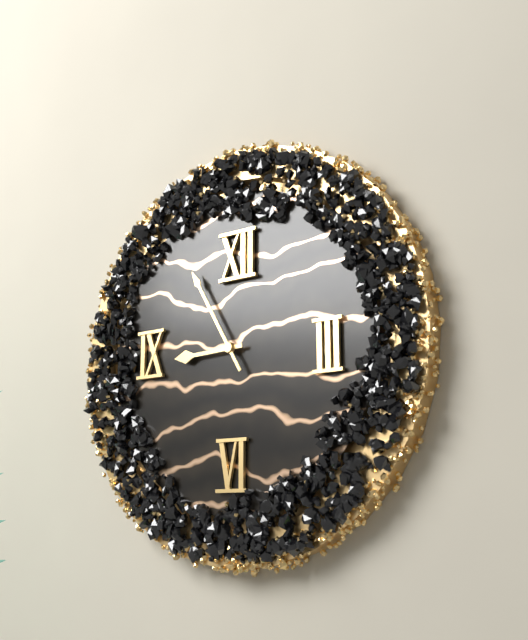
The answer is 8:55
